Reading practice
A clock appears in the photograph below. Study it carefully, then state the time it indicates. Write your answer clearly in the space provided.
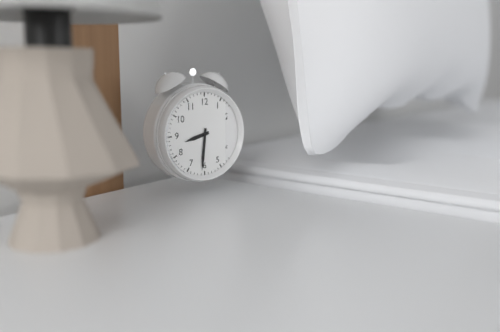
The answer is 8:31
